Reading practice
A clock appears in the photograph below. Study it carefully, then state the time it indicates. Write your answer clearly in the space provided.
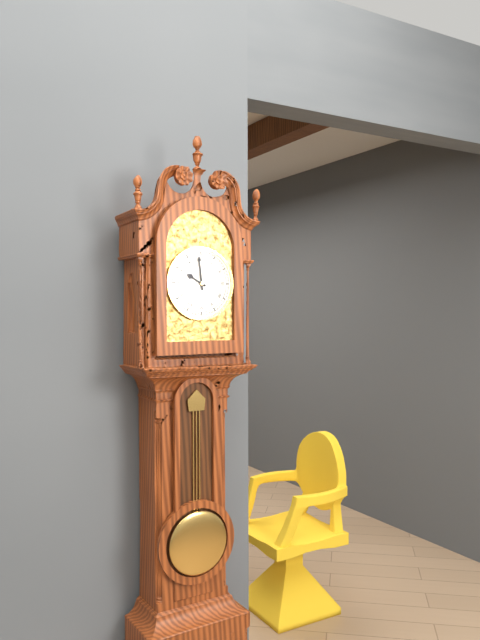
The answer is 9:59
